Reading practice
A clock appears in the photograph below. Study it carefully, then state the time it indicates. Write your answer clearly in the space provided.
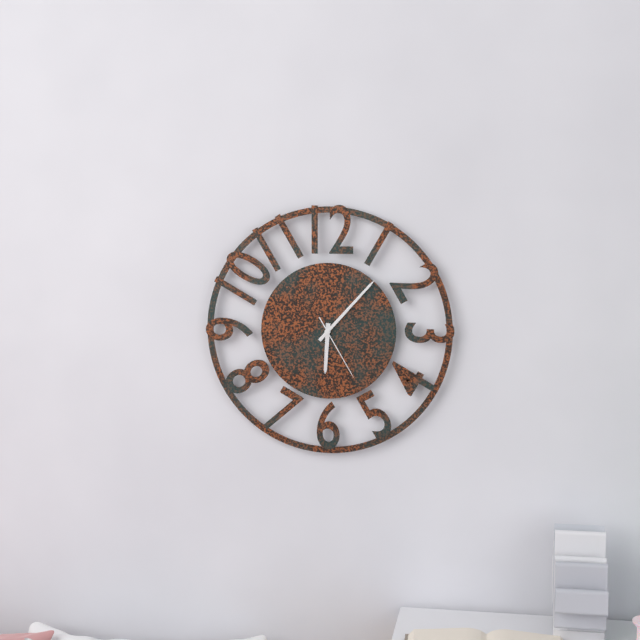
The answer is 6:07:25
